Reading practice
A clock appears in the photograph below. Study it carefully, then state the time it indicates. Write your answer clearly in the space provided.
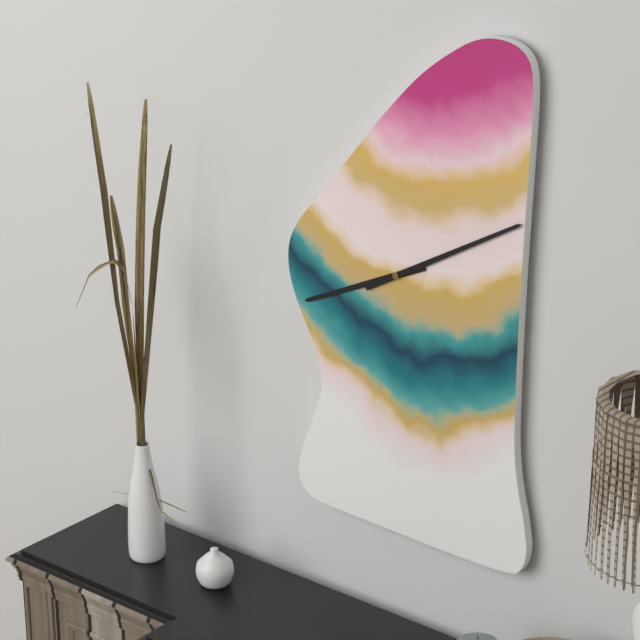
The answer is 8:10
